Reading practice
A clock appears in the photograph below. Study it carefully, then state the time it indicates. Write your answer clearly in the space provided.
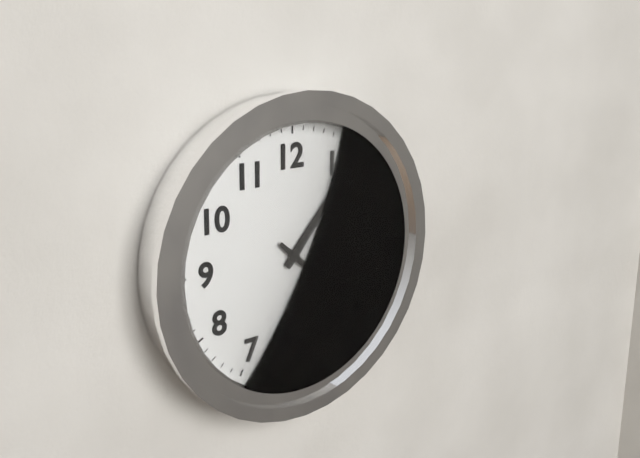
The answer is 1:22
